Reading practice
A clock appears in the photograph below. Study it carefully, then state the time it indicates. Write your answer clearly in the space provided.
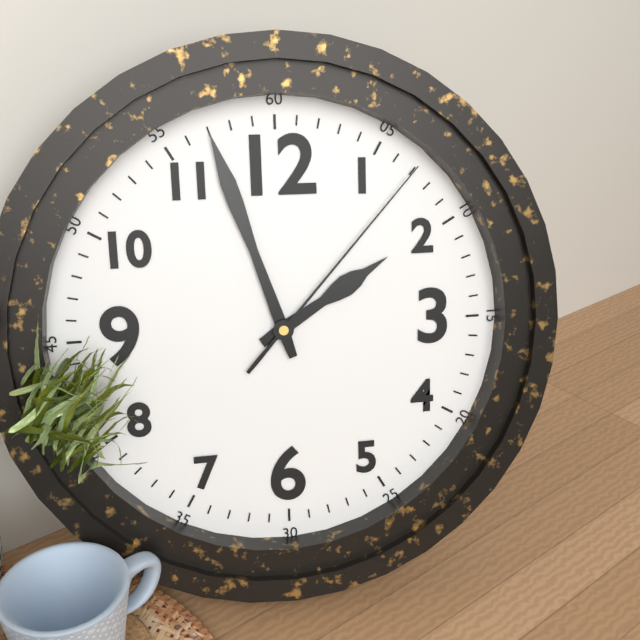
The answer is 1:57:07
